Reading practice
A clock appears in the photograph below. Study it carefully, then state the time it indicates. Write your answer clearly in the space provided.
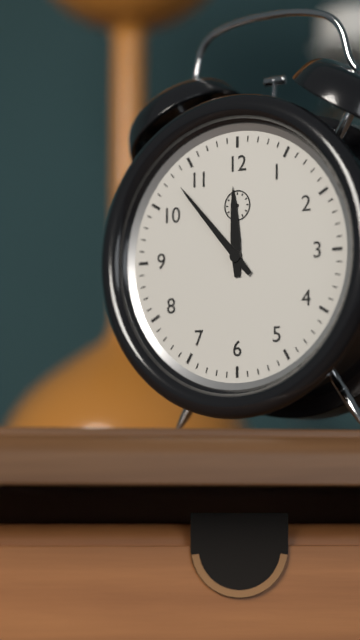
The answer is 11:53
